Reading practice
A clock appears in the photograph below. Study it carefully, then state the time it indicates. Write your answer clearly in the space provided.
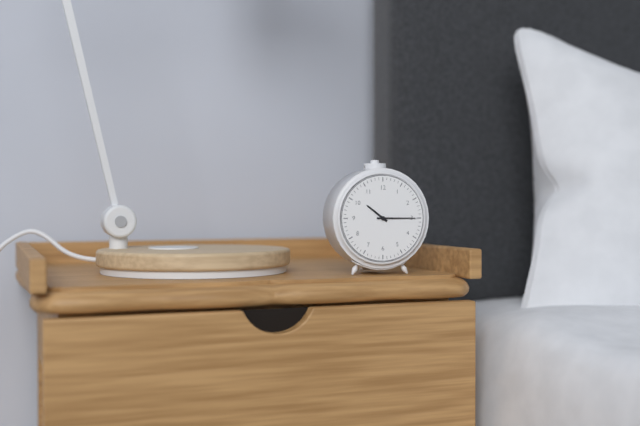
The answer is 10:15
